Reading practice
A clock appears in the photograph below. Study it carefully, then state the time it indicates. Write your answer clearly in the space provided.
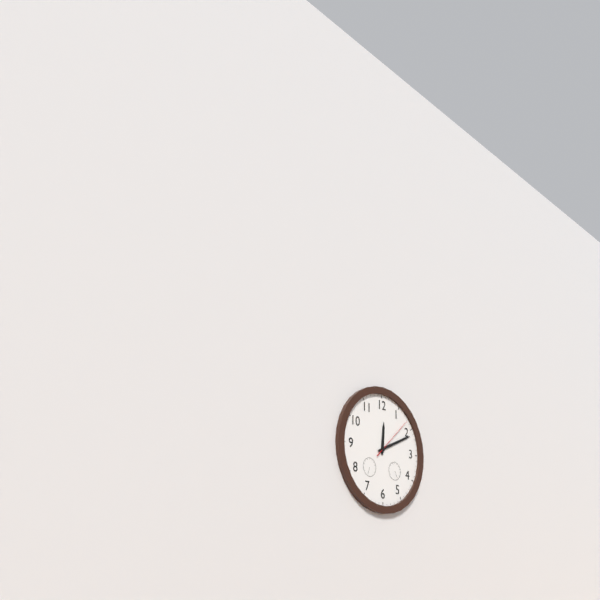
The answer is 12:11
